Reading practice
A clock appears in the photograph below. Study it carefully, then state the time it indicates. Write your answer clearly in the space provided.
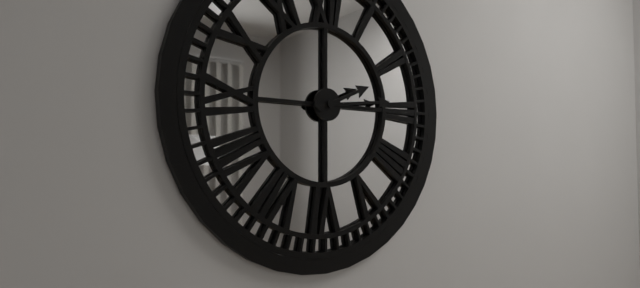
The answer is 2:14
